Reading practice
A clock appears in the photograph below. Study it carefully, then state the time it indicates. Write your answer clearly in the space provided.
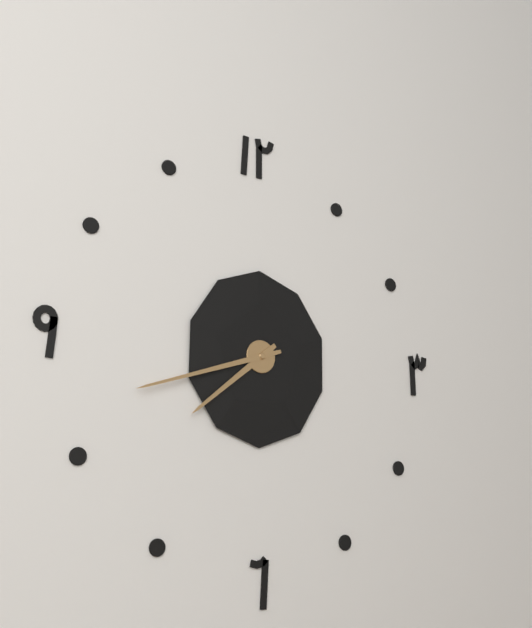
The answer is 7:42
